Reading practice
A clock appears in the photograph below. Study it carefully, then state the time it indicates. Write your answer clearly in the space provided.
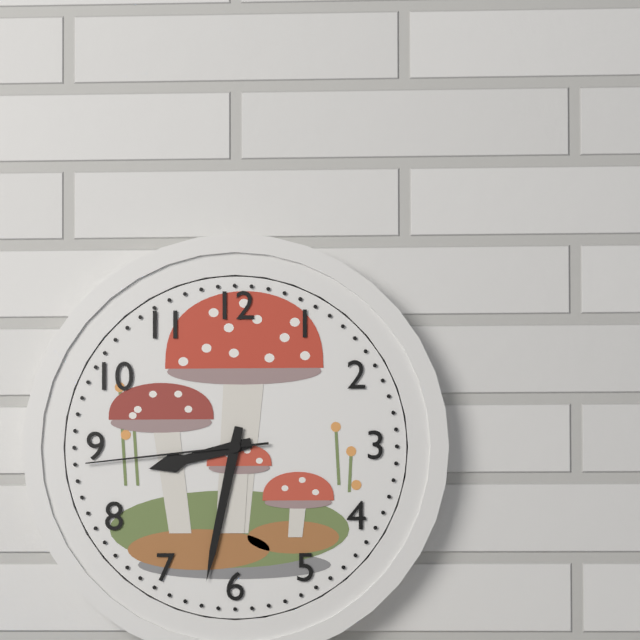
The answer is 8:32:44
